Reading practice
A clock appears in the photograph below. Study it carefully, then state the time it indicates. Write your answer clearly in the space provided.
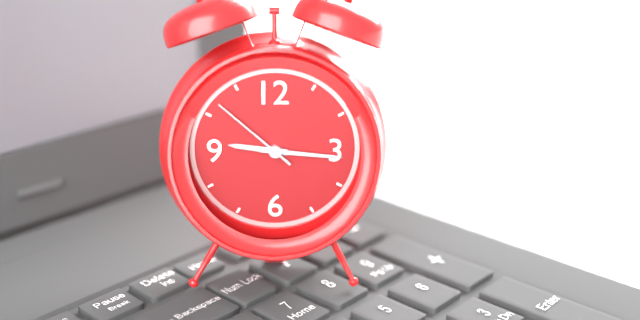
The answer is 9:16:52
